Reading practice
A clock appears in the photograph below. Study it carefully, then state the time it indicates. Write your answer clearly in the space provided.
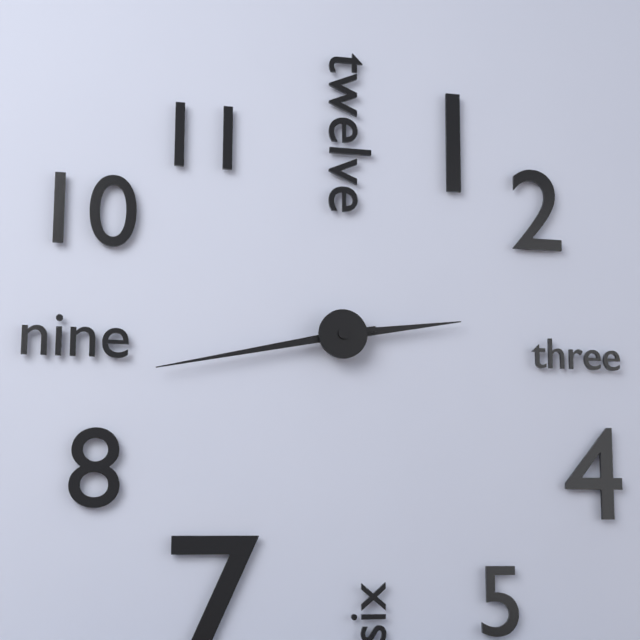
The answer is 2:43
